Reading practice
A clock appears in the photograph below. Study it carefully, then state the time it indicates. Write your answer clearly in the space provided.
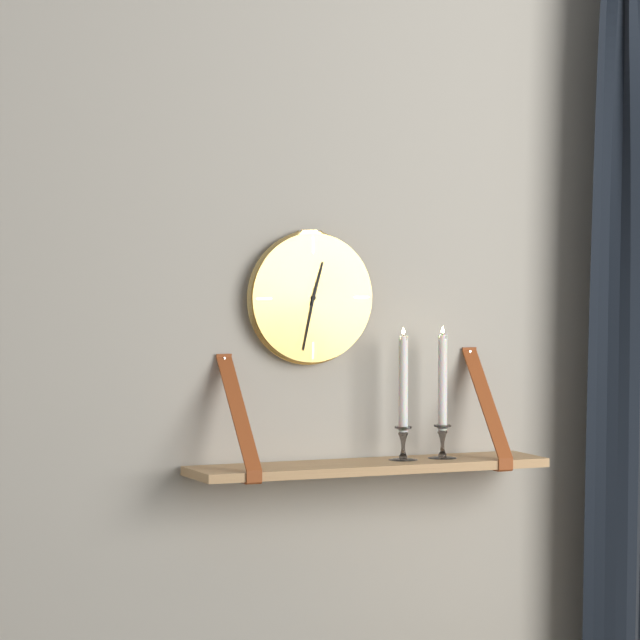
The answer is 12:32
